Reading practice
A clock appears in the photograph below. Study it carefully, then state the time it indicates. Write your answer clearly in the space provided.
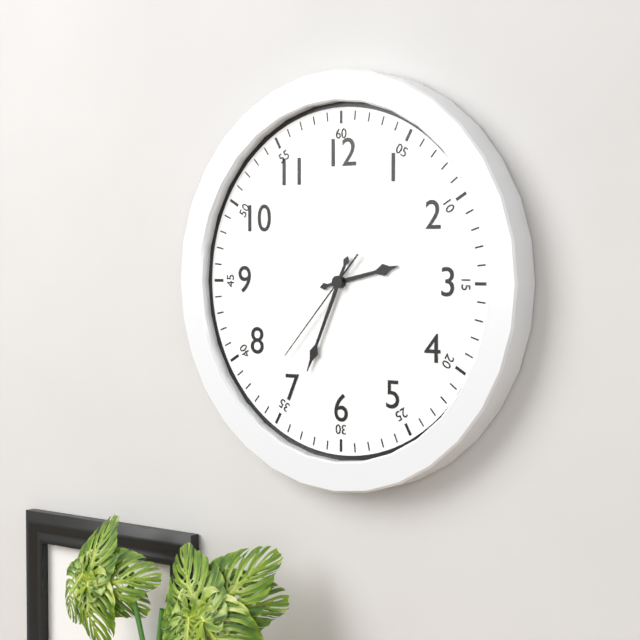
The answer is 2:34:37
